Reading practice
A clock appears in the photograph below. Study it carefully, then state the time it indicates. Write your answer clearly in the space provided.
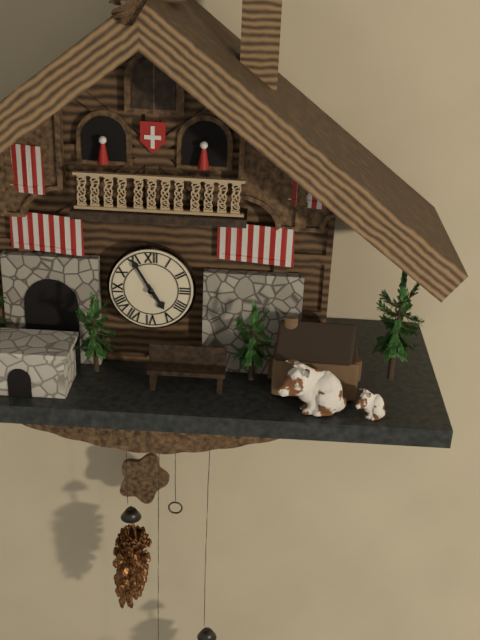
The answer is 4:55
